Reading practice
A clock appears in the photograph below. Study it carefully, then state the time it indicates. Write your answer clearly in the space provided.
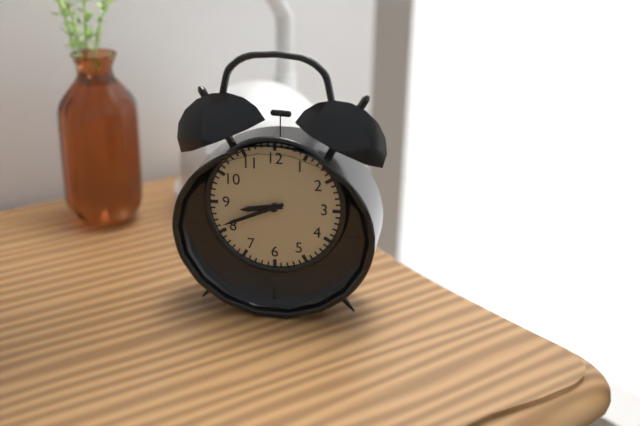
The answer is 8:41
